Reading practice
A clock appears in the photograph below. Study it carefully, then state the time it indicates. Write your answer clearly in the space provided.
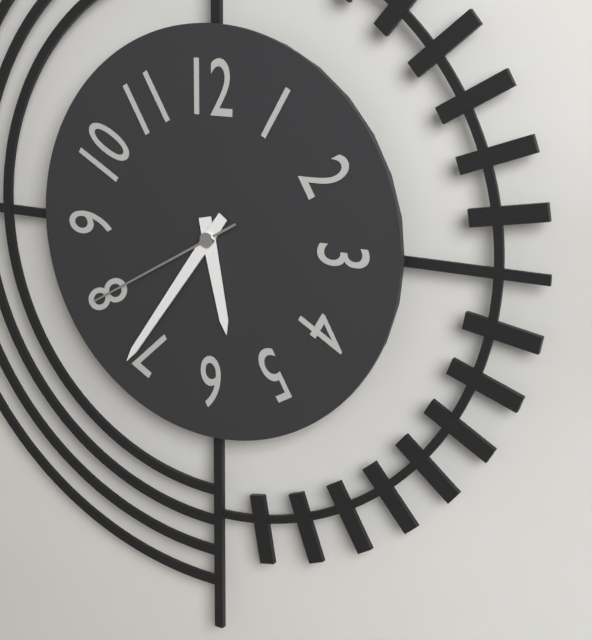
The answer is 5:36:40
